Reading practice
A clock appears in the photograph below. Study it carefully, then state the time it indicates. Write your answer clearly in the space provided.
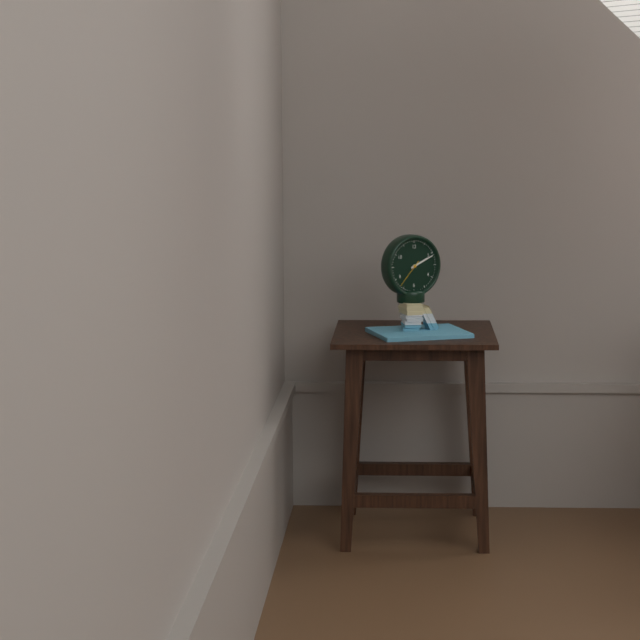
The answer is 2:11
